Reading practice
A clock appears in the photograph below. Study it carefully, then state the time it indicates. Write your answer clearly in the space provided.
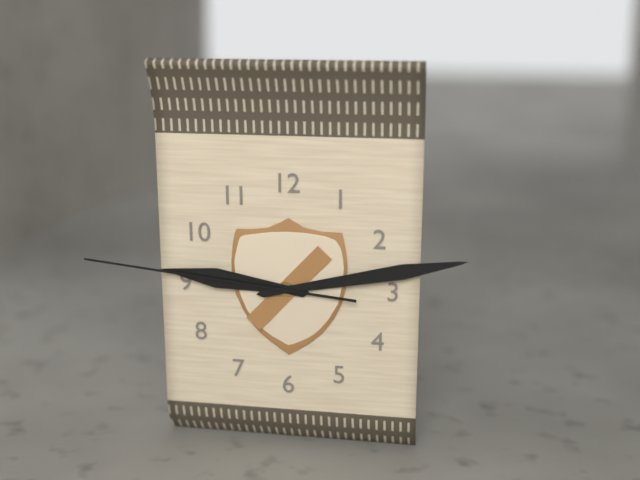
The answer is 9:13:46
